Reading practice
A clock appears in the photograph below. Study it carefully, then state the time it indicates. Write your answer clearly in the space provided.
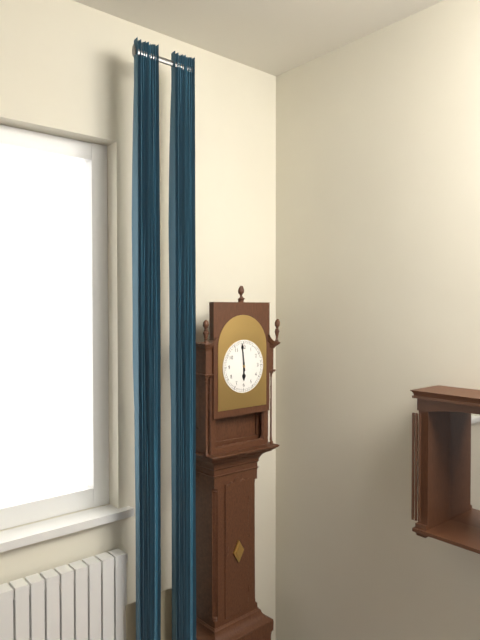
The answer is 5:59
